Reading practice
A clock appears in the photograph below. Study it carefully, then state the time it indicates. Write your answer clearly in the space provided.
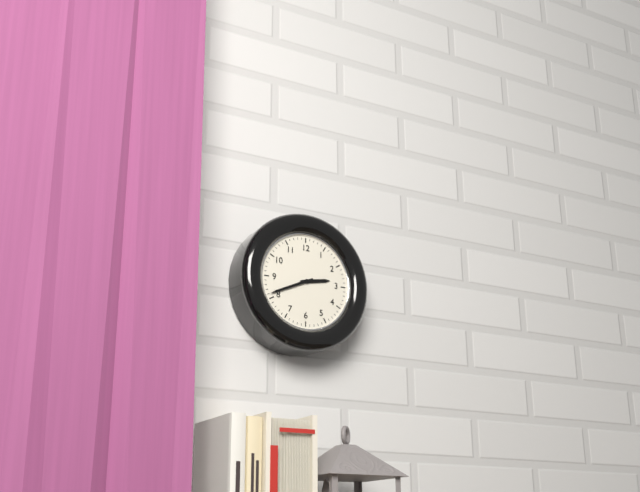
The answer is 2:41
